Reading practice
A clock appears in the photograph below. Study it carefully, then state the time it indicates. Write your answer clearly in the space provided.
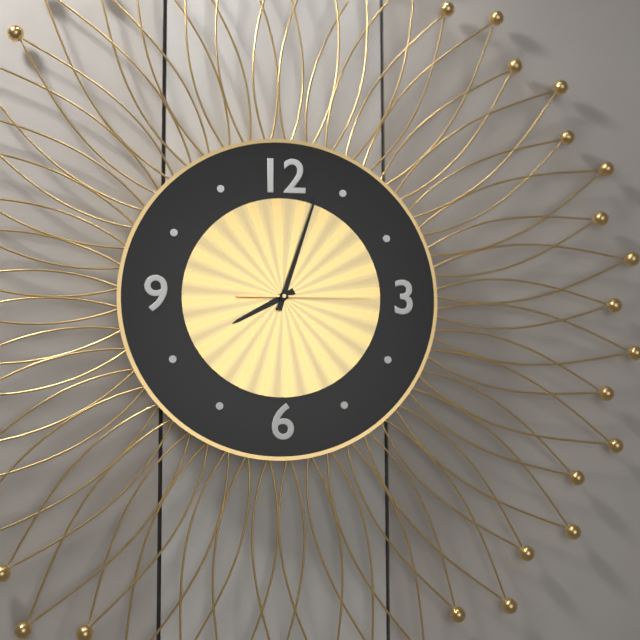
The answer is 8:03:15
